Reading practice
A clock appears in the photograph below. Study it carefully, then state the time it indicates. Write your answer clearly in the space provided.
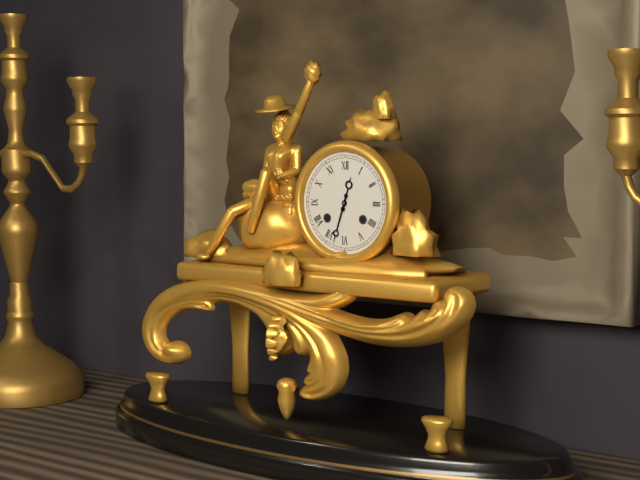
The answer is 12:33
